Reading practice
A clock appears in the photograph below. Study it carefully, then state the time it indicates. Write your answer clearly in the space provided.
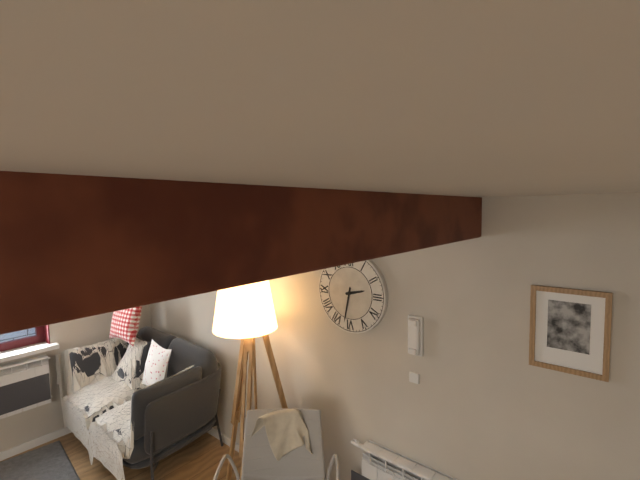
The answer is 2:32
